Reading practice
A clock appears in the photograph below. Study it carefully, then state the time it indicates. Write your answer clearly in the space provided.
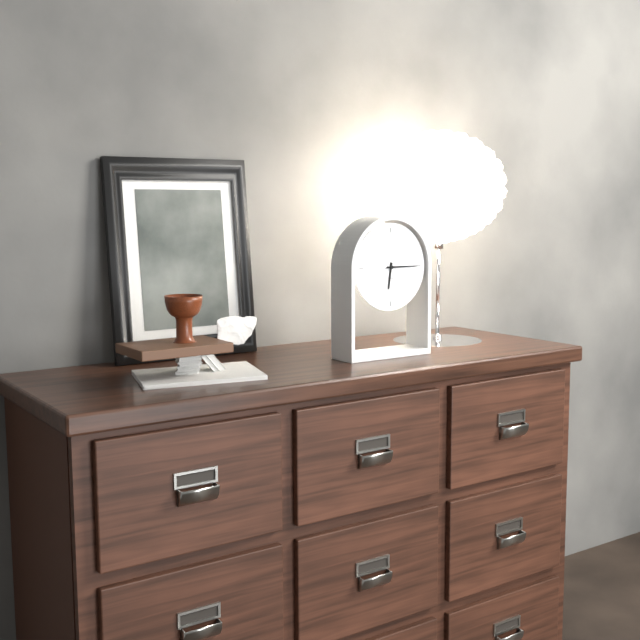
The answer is 6:15
